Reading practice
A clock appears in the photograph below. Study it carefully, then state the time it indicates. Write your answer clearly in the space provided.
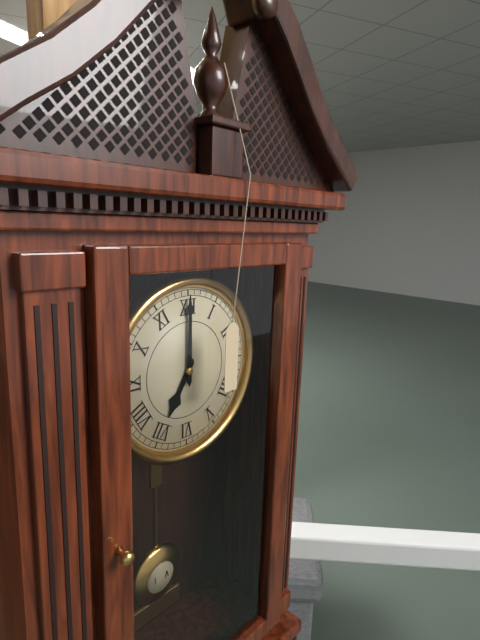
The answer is 7:00
